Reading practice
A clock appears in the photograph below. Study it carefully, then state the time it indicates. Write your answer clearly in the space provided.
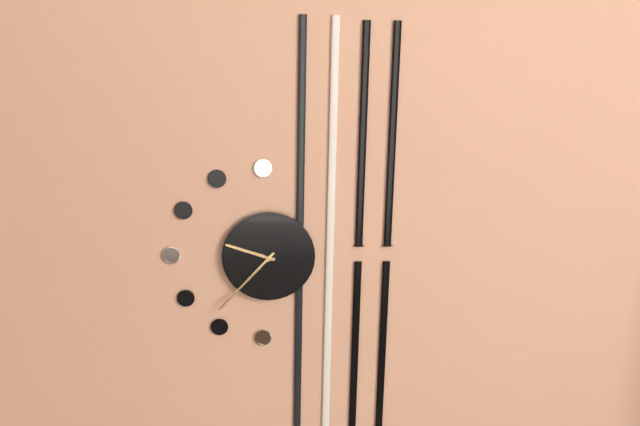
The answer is 9:37
